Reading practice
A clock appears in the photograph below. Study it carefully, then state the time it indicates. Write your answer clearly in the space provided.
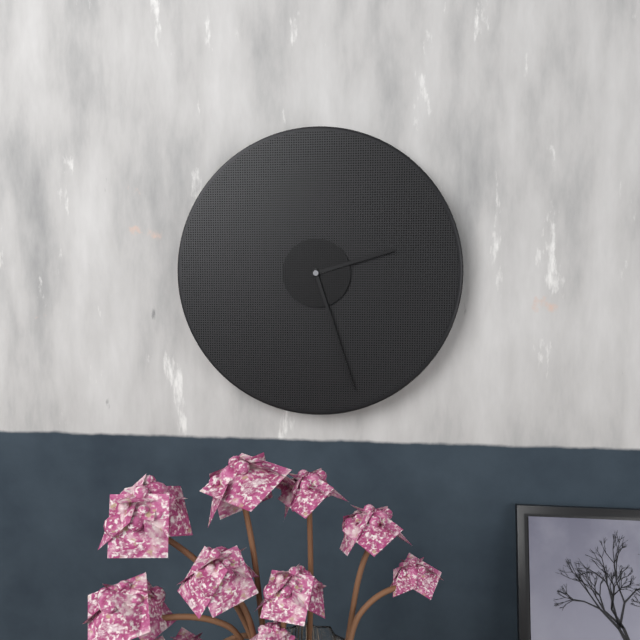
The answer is 2:27
